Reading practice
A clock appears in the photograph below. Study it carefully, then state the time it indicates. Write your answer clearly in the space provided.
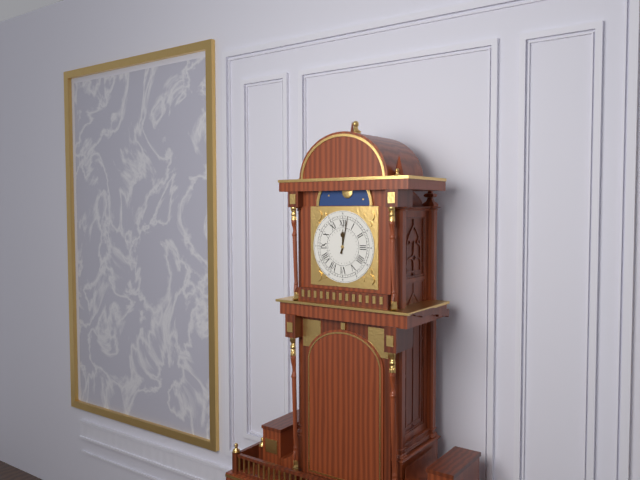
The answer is 12:02
